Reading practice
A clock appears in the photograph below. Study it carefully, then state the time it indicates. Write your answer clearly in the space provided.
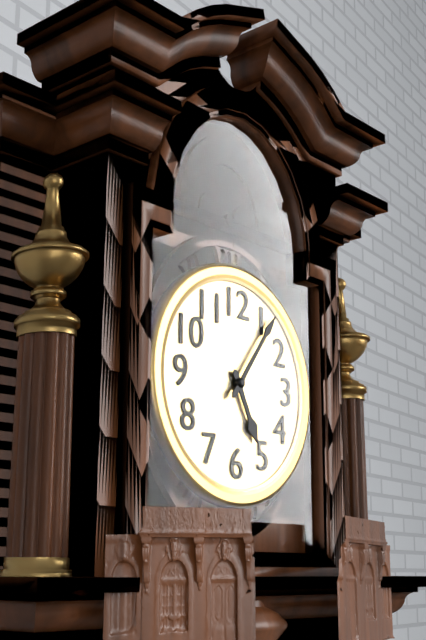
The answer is 5:06
